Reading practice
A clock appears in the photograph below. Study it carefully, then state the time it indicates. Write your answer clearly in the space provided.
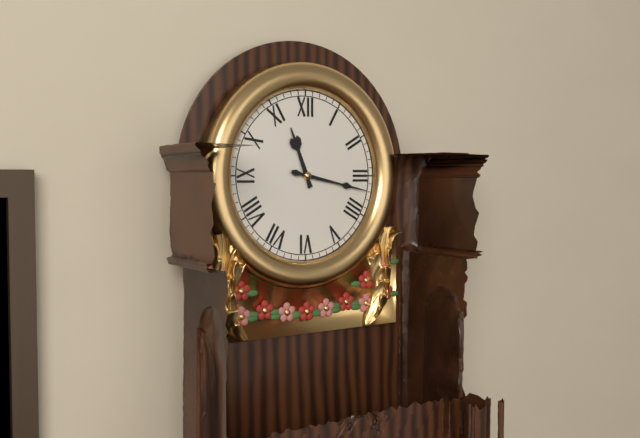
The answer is 11:17
